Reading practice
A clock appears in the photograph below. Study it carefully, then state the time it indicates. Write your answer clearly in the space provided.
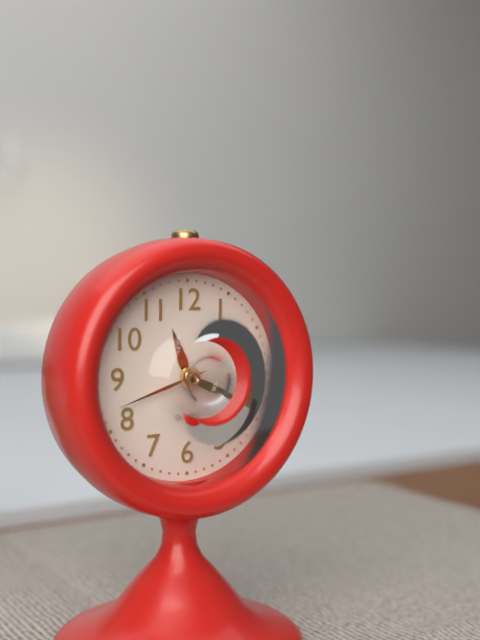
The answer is 11:19:42
